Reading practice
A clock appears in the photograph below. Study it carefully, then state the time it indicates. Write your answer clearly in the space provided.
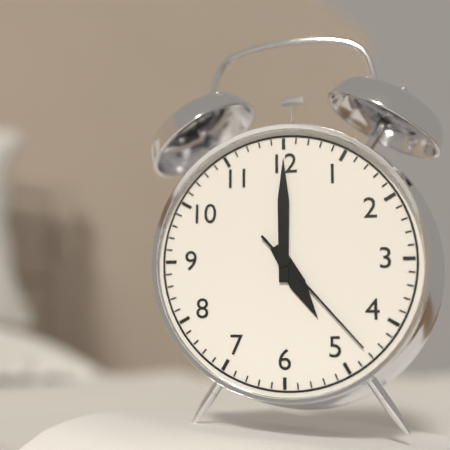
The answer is 5:00:23
